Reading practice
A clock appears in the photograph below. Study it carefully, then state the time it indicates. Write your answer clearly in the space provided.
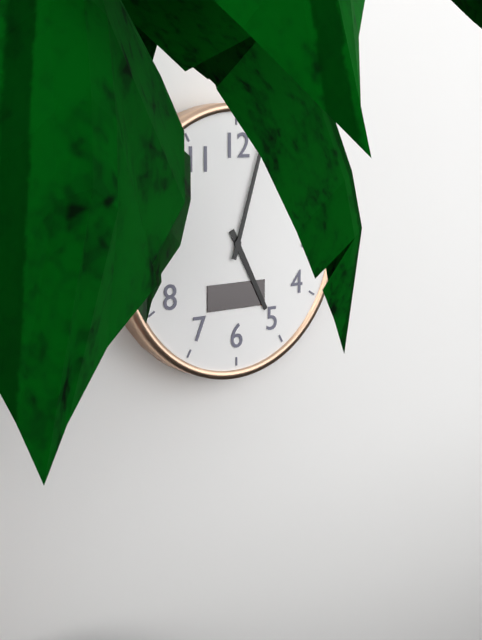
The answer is 5:03
